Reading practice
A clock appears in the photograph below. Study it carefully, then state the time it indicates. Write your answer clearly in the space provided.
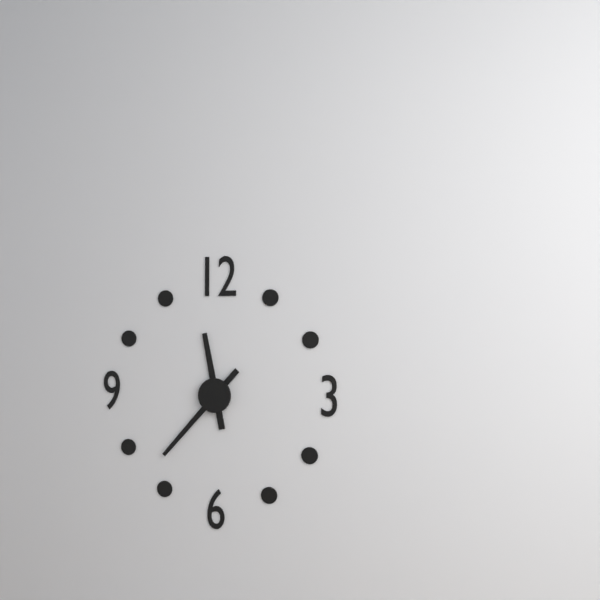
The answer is 11:37
